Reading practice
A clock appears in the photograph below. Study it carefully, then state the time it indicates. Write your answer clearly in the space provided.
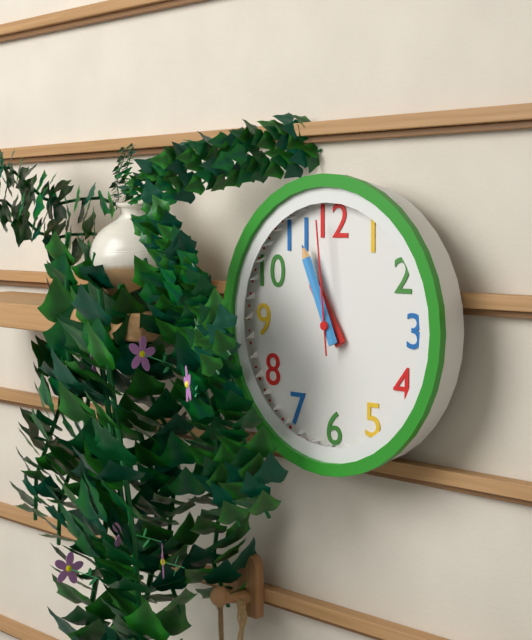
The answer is 10:56:59
